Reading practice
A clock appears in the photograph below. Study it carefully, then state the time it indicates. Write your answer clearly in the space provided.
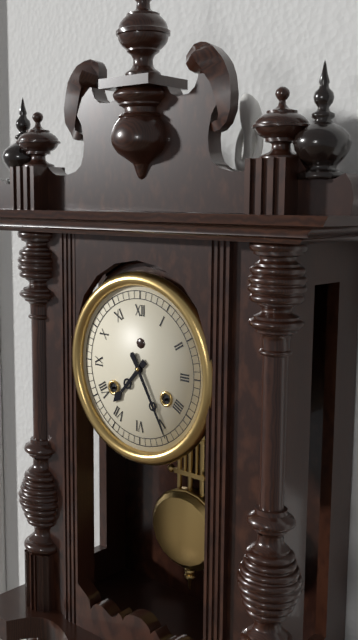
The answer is 7:25
